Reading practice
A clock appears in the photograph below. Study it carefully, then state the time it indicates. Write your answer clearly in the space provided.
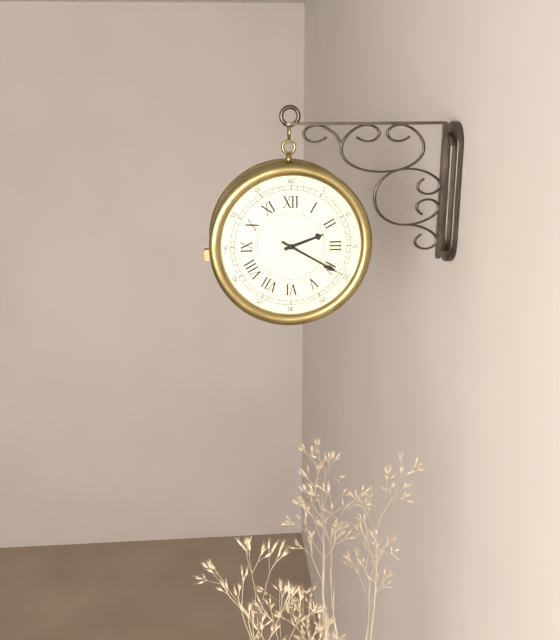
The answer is 2:20
